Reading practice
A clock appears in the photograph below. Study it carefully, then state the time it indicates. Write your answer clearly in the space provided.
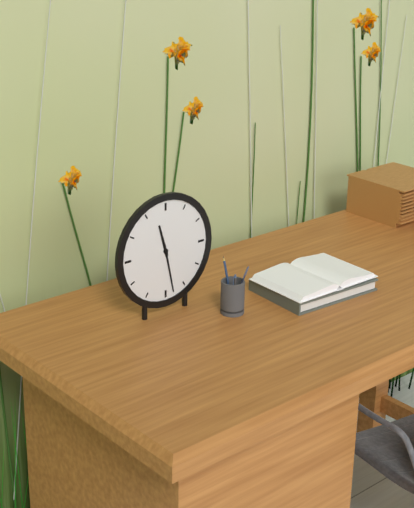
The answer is 11:28
